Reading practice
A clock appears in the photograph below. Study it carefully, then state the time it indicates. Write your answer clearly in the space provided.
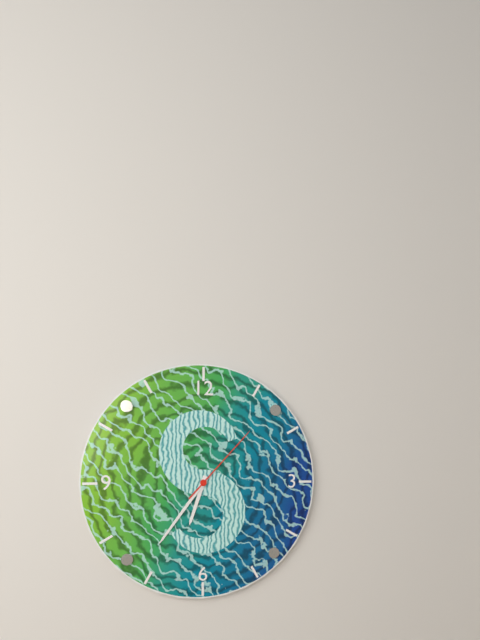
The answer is 6:36:07
